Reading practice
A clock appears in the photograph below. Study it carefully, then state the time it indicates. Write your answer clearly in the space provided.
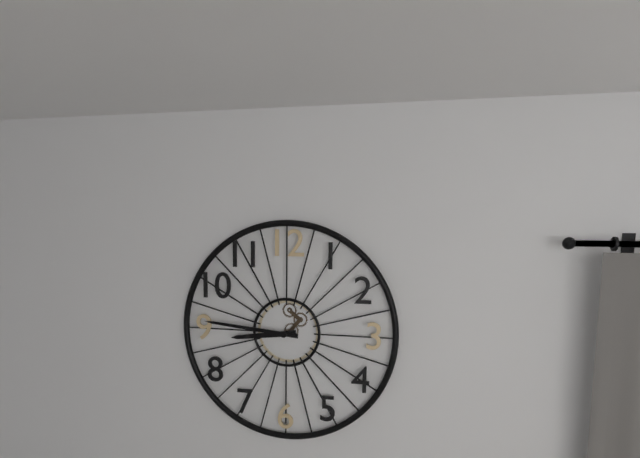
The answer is 8:46
